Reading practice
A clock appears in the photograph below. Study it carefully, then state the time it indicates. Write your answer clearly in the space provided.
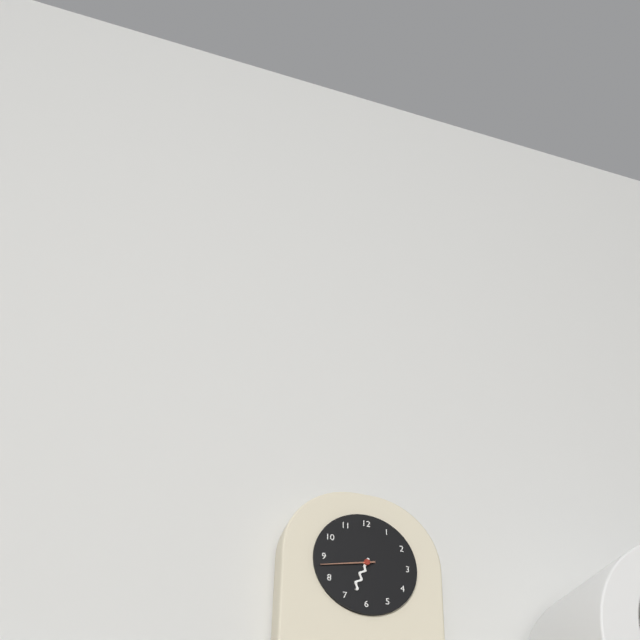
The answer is 6:43
